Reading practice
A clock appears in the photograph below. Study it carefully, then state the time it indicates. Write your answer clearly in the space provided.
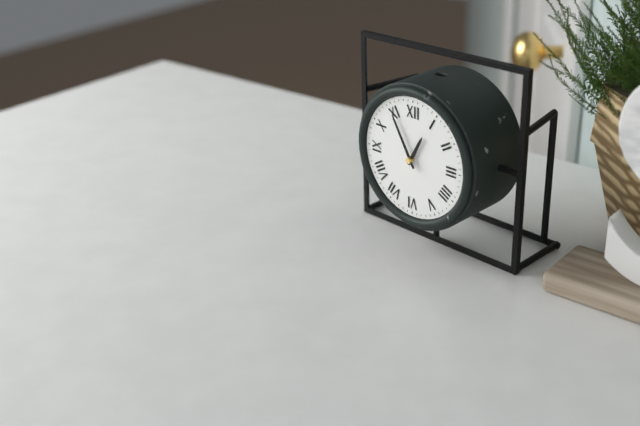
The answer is 12:55
